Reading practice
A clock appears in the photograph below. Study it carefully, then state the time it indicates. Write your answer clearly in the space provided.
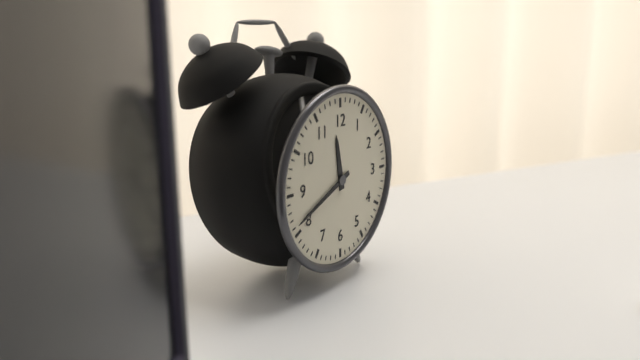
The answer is 11:41
